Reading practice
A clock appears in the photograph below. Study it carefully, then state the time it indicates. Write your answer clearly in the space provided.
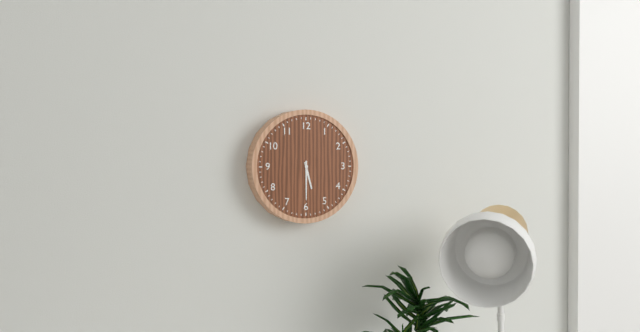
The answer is 5:30
